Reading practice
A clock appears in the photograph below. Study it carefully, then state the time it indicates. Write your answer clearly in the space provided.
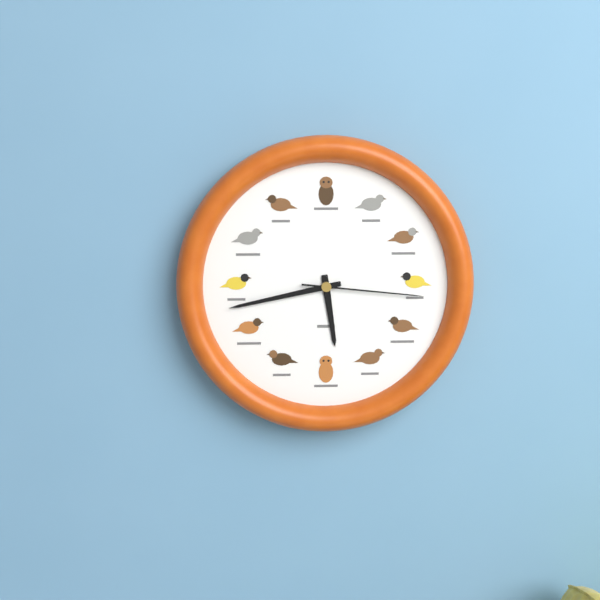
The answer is 5:43:16
